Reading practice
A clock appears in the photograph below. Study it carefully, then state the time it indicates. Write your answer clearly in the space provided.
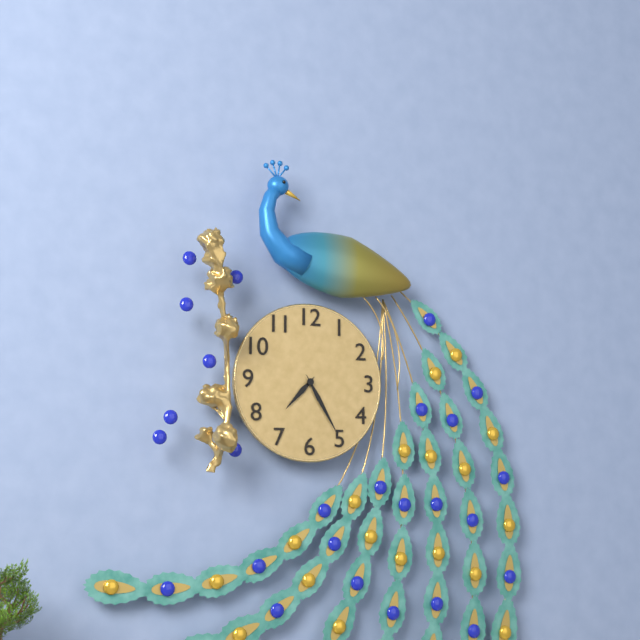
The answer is 7:25
